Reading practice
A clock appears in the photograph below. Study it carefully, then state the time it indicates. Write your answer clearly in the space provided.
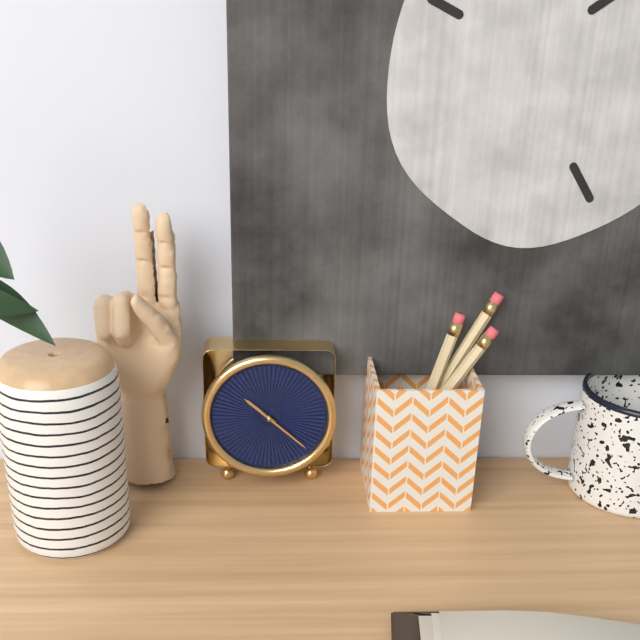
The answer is 10:22
